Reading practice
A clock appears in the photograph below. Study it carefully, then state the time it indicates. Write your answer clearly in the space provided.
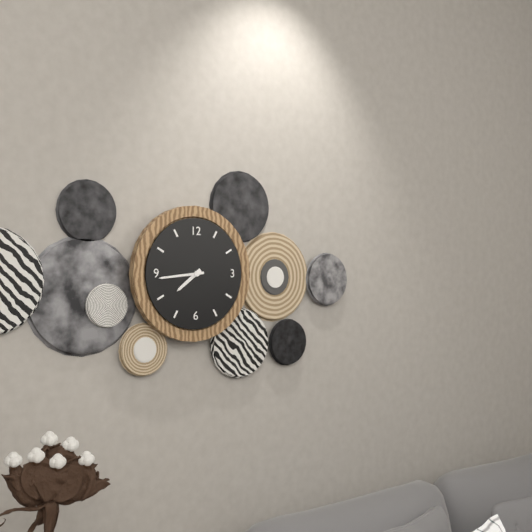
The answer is 7:44
